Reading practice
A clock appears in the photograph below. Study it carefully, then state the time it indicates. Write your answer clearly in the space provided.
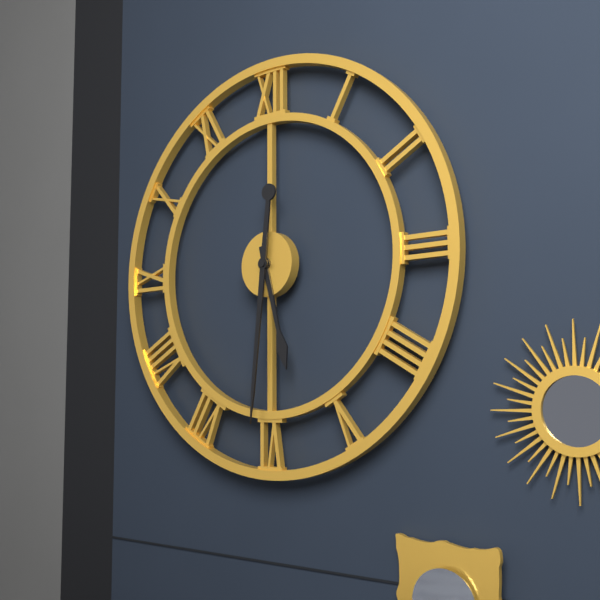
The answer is 5:31
